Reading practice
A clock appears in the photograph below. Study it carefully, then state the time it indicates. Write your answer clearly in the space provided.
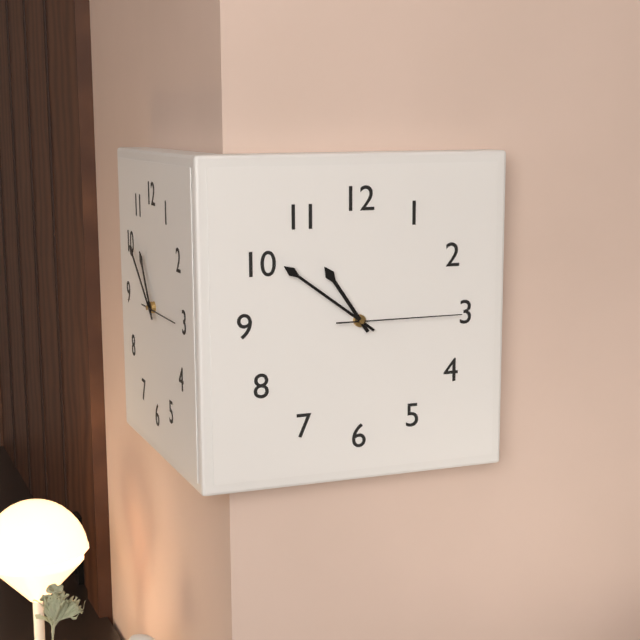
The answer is 10:51:15
